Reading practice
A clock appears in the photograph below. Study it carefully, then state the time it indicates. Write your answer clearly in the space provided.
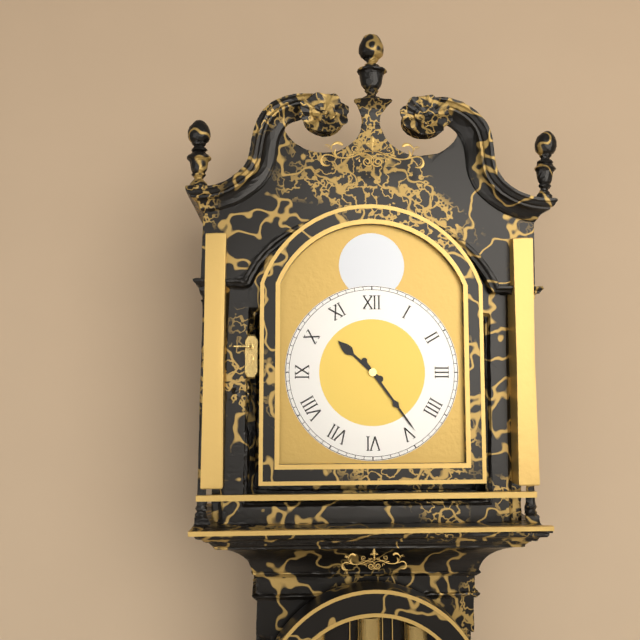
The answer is 10:24
